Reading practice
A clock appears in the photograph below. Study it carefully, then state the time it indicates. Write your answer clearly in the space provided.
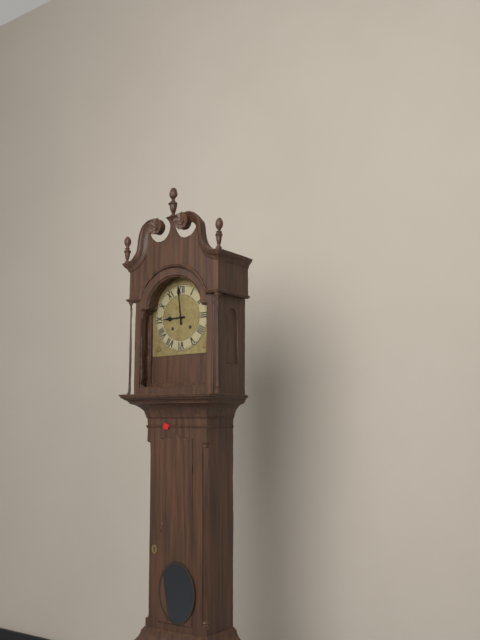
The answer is 8:59
